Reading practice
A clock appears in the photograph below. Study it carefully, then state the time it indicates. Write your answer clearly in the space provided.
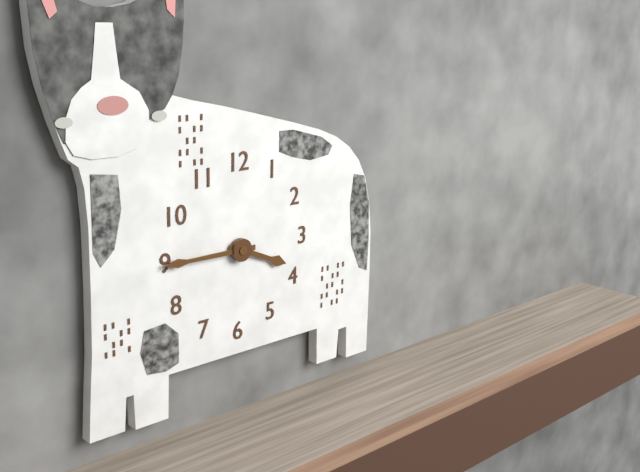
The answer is 3:45
